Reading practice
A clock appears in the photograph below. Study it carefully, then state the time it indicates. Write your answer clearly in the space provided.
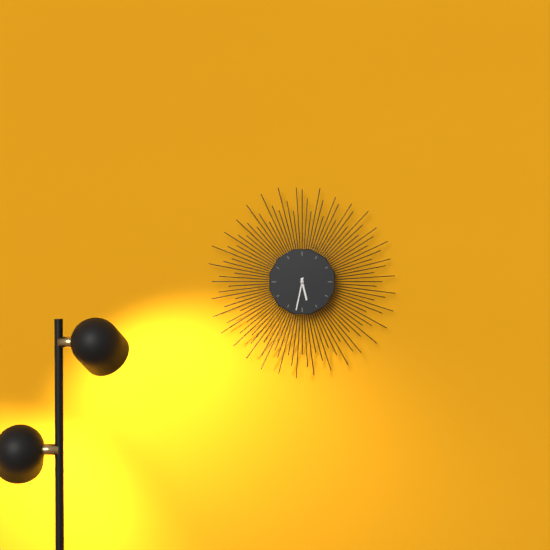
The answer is 5:32
